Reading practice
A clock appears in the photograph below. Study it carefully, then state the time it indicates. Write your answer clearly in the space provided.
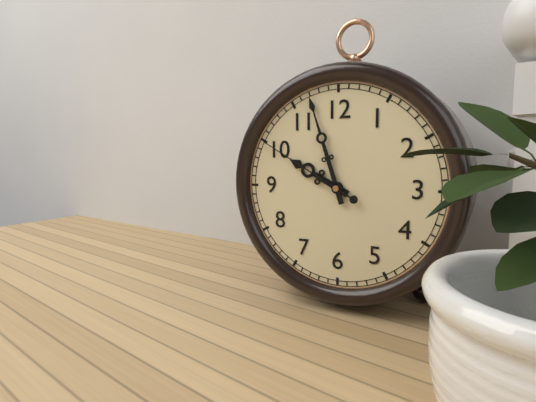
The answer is 9:57:50
